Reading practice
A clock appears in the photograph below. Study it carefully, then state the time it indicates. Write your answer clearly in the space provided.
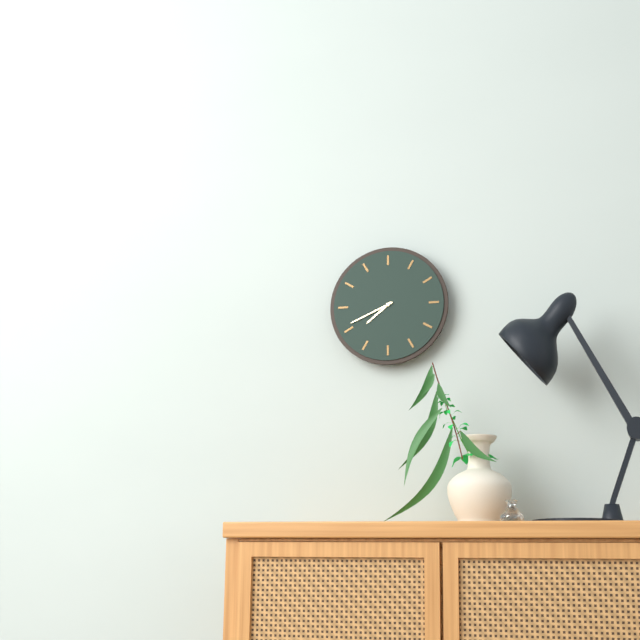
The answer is 7:41
